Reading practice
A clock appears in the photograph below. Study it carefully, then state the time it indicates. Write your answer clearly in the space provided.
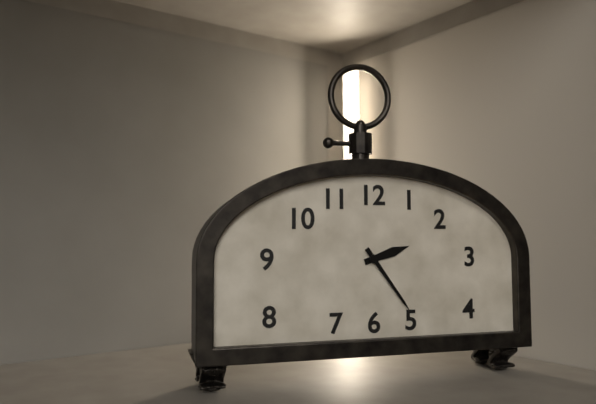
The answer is 2:24
